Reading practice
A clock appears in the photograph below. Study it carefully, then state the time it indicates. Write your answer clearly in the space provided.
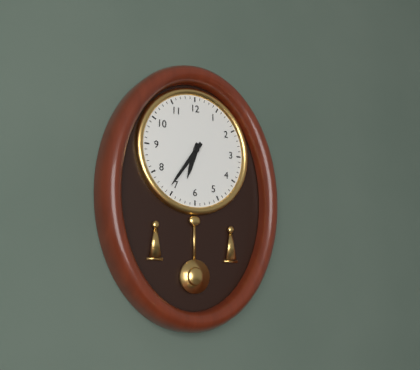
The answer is 6:36
